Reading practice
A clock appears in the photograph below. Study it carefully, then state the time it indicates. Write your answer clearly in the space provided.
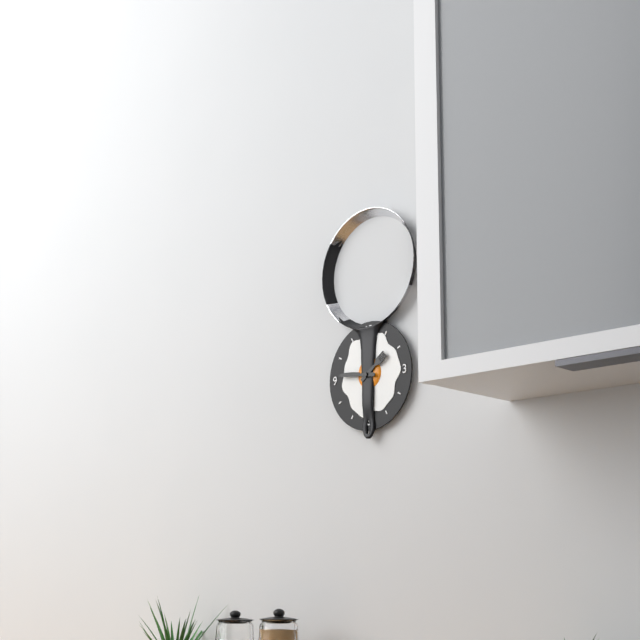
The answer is 1:46
